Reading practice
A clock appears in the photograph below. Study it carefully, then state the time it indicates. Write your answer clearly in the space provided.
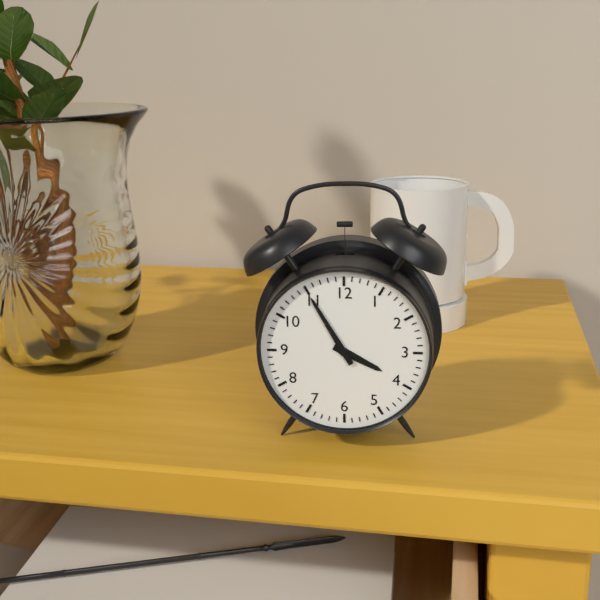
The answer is 3:55
